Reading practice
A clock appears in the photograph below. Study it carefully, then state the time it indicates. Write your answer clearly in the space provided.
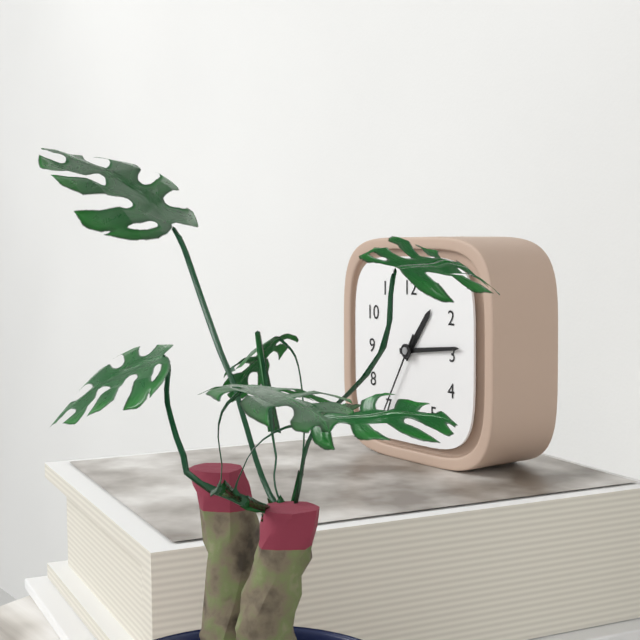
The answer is 1:14:35
